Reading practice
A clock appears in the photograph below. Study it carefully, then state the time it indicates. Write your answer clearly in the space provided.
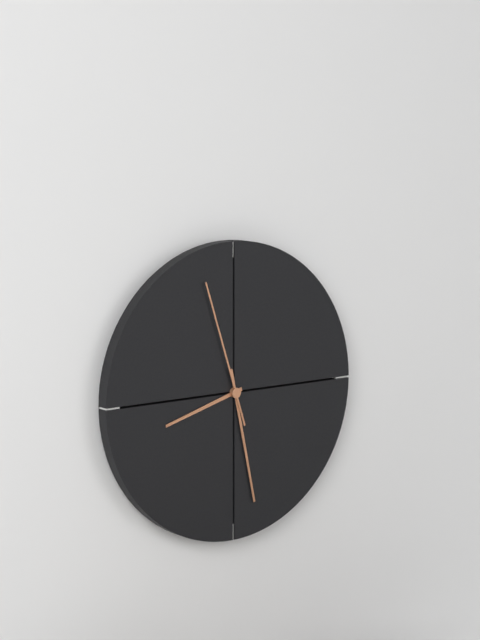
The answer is 8:28:57
